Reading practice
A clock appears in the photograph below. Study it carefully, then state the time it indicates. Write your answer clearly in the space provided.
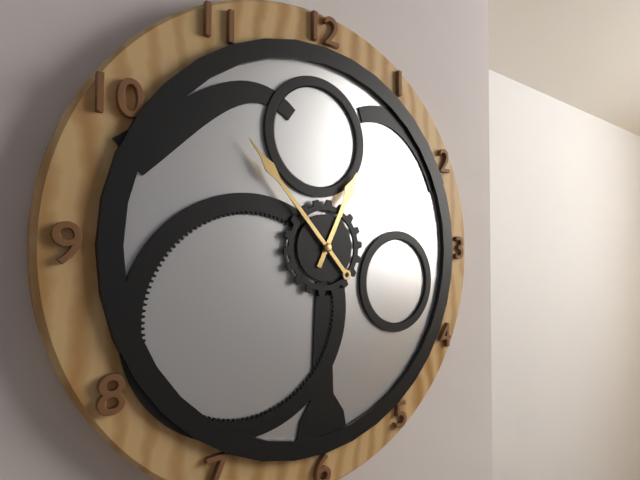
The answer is 12:53
